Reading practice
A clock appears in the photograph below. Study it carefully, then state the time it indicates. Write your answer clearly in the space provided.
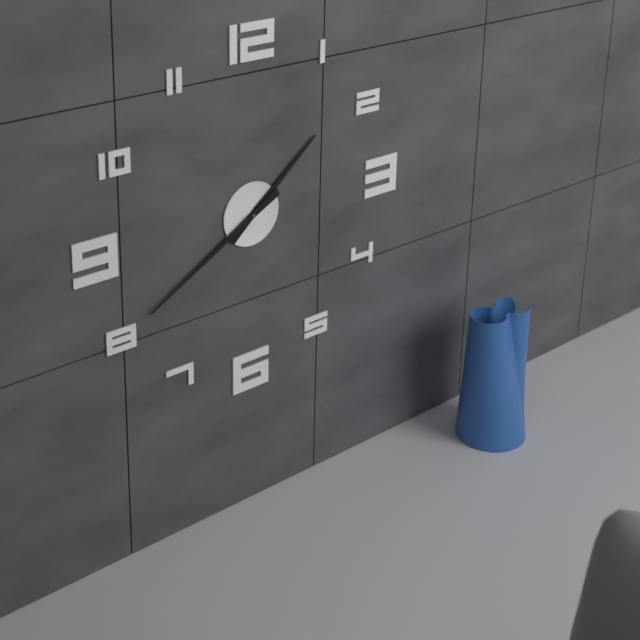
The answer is 1:40
